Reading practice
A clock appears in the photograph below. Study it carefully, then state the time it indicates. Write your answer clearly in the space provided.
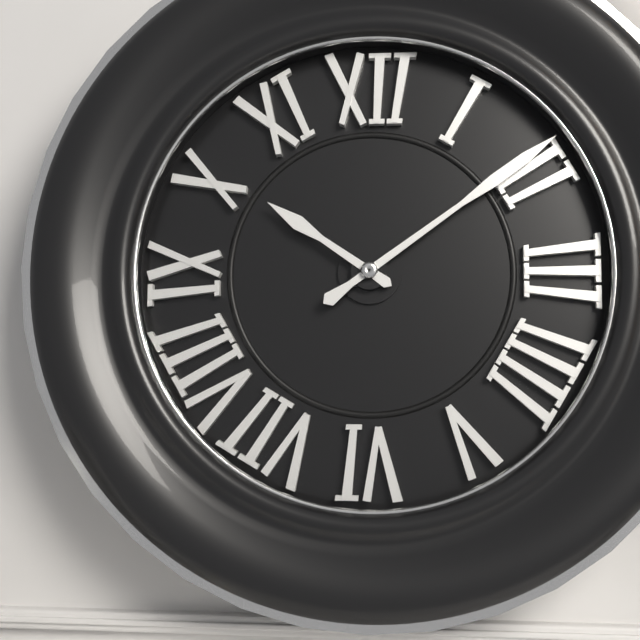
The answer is 10:09
